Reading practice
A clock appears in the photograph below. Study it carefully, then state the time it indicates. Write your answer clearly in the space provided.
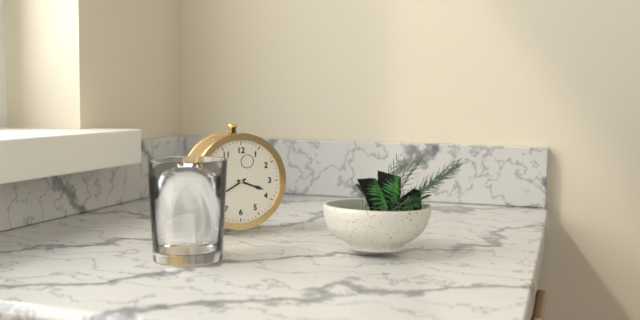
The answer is 3:40
